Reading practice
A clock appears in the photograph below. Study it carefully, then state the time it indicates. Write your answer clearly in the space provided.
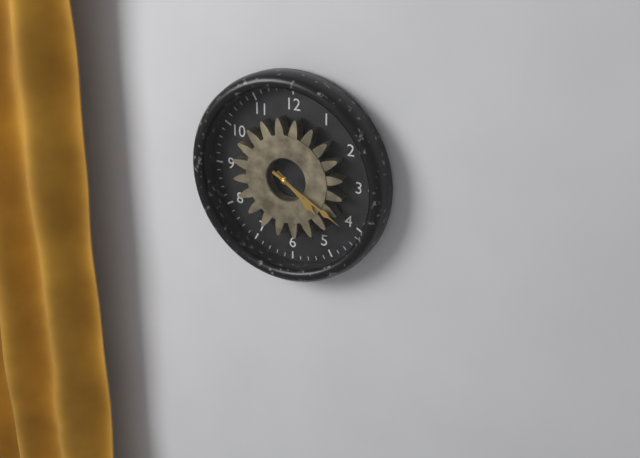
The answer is 4:20
